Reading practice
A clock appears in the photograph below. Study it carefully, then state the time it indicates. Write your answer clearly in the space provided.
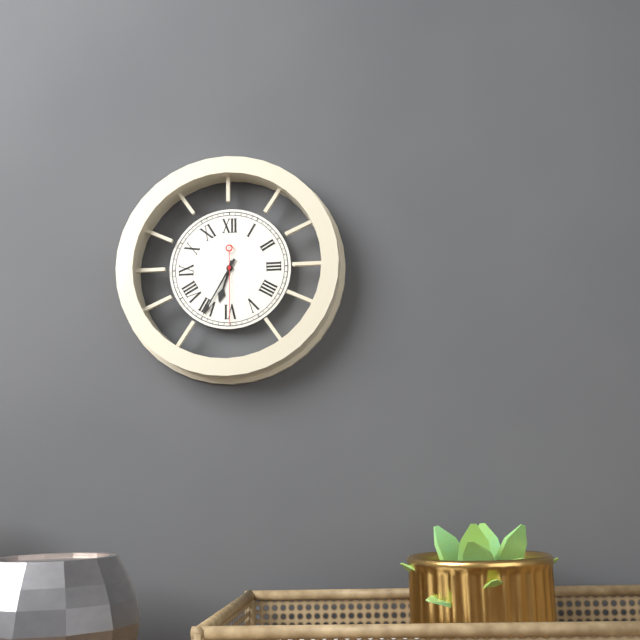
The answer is 6:35:30
